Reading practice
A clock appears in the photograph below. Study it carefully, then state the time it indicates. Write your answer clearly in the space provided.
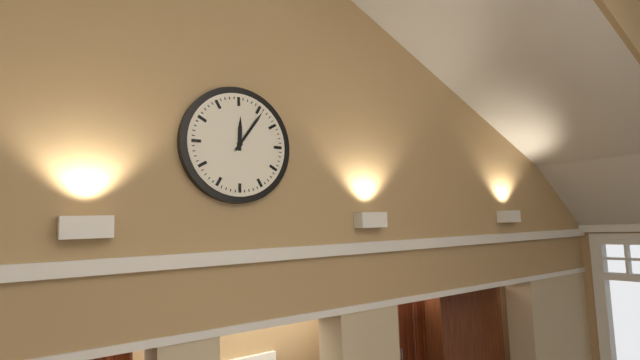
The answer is 12:06
